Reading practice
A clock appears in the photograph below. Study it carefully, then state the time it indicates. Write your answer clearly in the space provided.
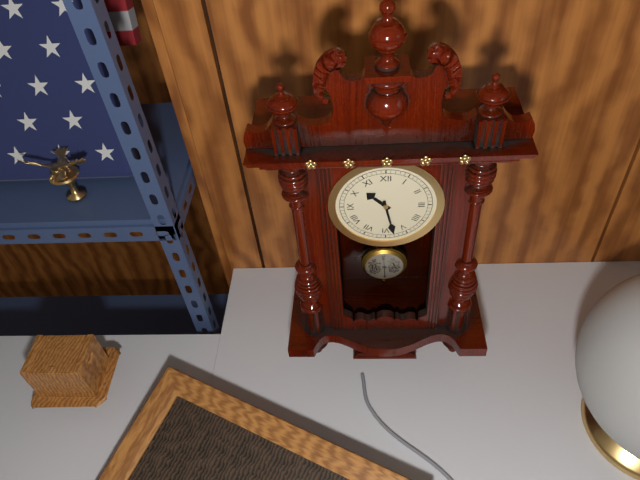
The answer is 10:28
